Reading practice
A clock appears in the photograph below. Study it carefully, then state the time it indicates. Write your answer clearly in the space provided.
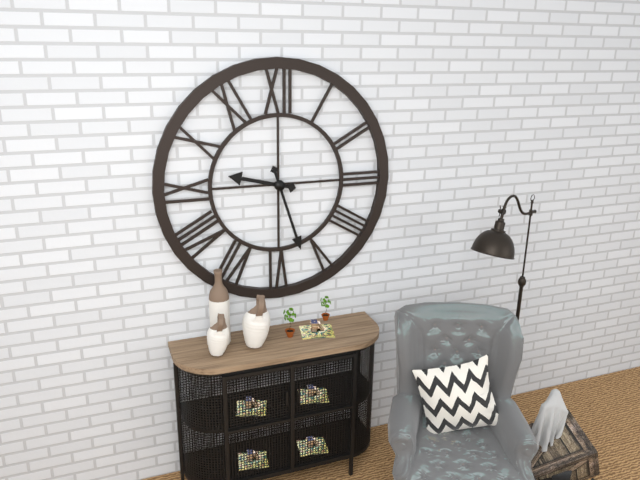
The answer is 9:27
